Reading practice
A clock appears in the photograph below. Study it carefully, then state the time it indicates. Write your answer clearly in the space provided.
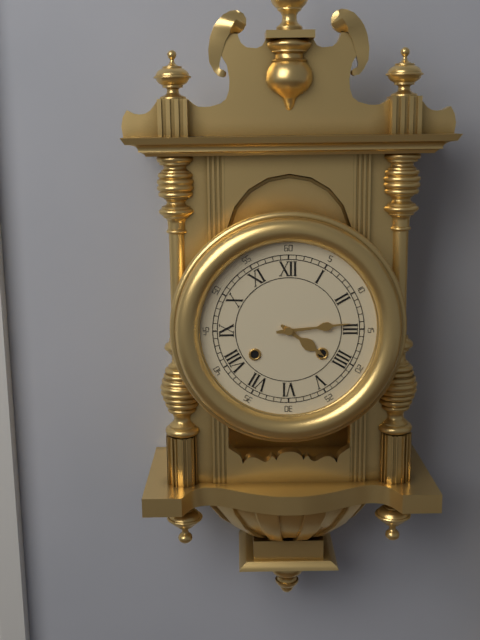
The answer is 4:14
